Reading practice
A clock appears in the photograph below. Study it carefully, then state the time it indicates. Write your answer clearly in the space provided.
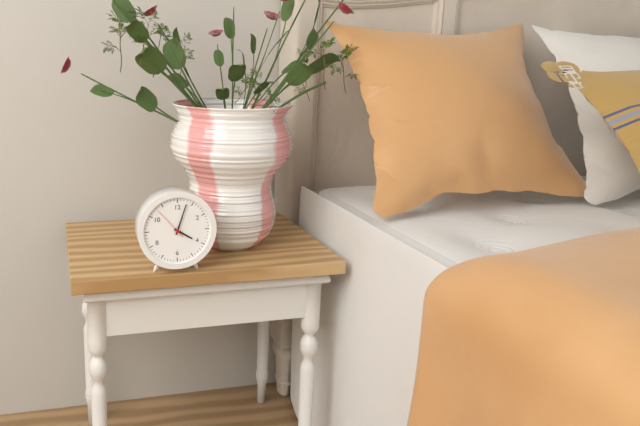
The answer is 4:03
